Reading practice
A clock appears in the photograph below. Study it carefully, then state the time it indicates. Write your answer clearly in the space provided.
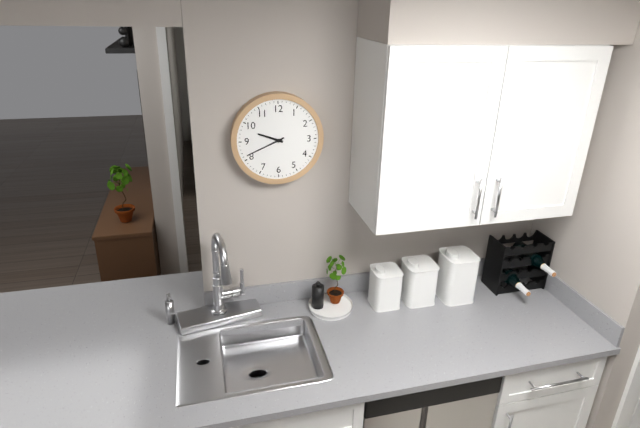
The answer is 9:41
